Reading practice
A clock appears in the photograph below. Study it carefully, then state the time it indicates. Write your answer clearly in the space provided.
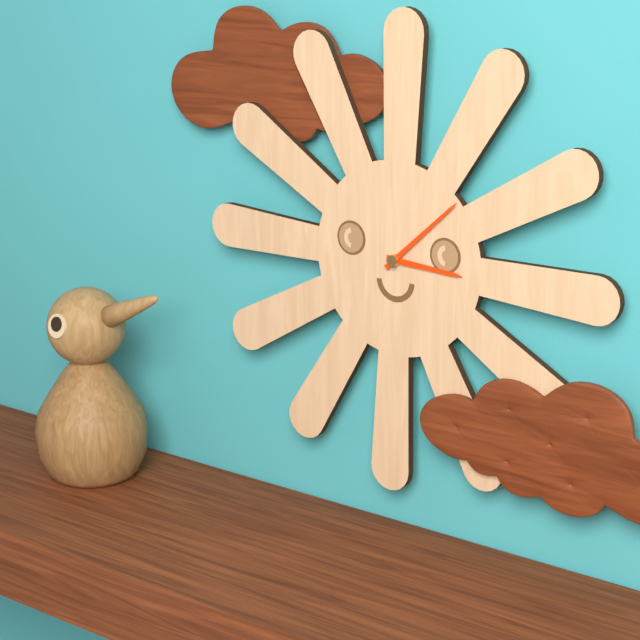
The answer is 3:08
